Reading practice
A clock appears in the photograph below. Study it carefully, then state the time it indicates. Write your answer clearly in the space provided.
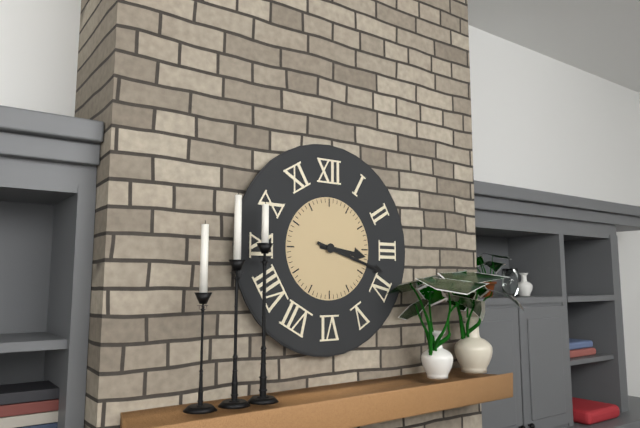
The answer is 3:18
